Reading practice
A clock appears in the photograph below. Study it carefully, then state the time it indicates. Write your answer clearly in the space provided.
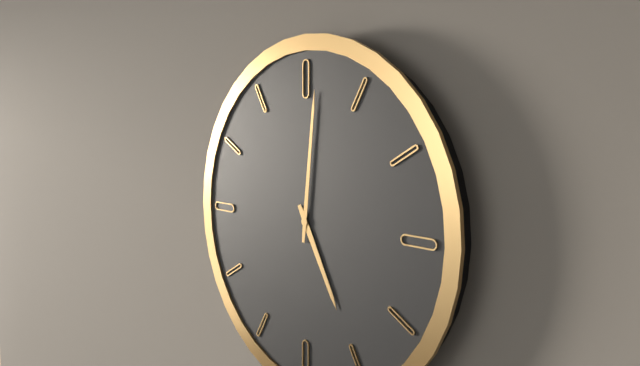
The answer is 5:01
